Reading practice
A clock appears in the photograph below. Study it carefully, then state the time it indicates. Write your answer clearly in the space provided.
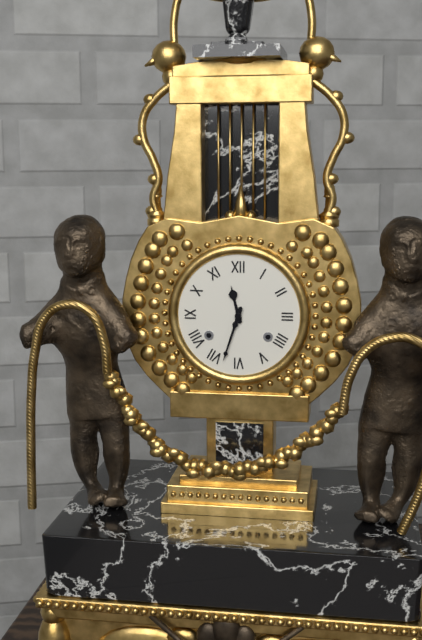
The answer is 11:33
